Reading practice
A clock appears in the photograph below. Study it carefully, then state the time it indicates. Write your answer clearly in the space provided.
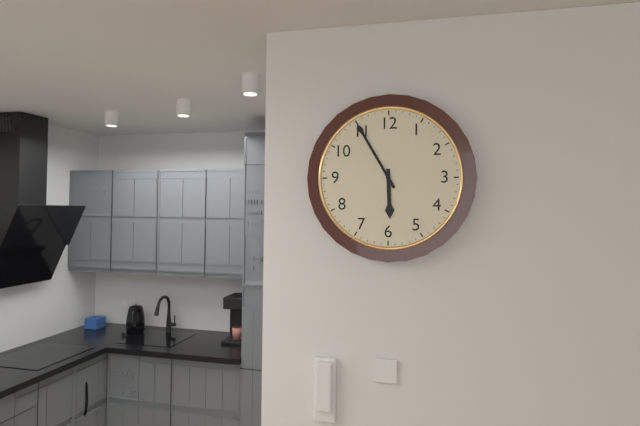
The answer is 5:55
